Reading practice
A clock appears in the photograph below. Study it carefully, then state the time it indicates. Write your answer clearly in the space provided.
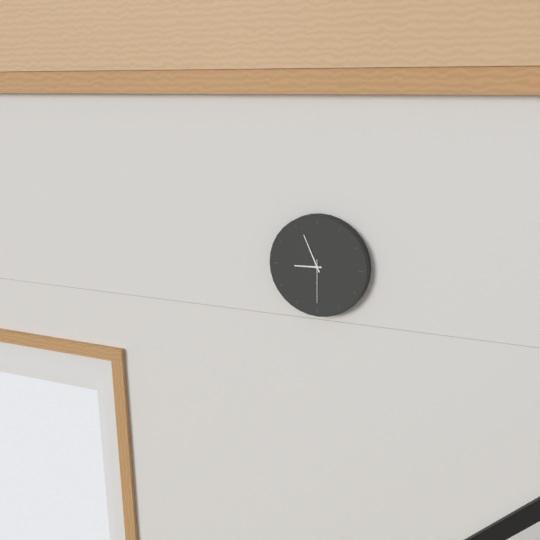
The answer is 8:56
